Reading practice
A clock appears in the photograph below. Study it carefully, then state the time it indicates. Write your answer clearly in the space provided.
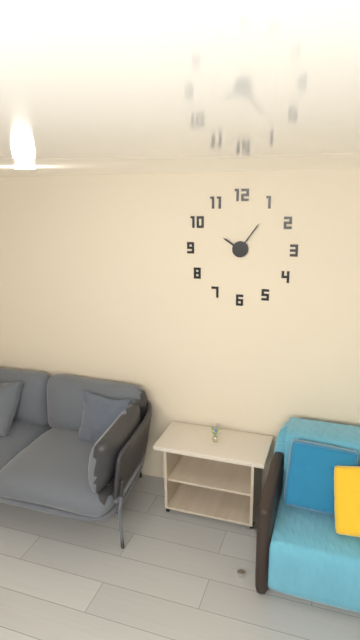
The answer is 10:06
